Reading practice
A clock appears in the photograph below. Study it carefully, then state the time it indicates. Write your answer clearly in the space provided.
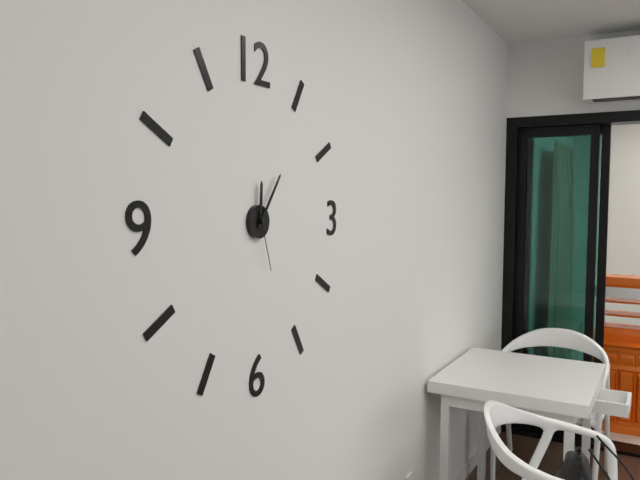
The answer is 12:06:27
